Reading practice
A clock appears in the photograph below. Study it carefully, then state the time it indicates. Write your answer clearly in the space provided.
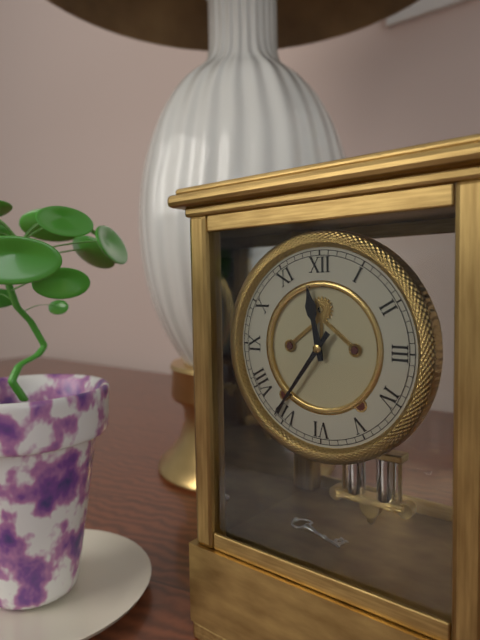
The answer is 11:36
